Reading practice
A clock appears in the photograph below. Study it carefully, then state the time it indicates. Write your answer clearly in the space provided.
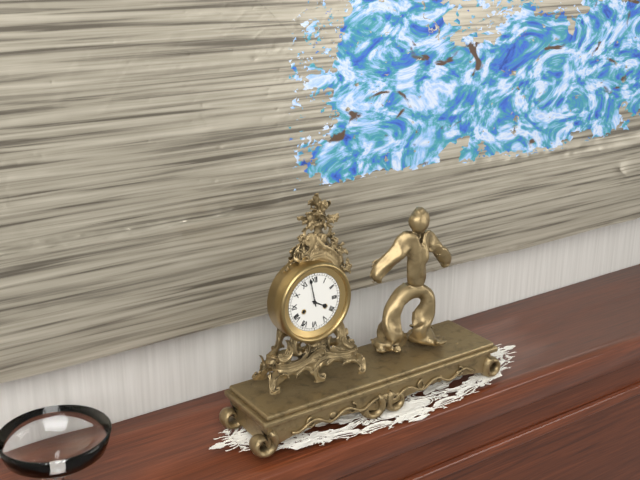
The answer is 3:58
